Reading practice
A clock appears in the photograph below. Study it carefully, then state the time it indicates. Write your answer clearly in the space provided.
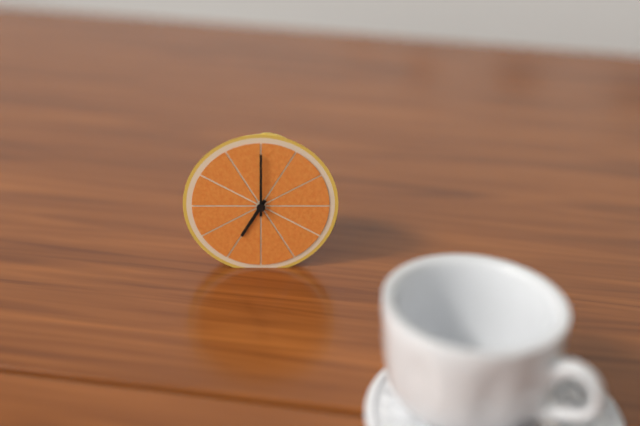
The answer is 7:00
